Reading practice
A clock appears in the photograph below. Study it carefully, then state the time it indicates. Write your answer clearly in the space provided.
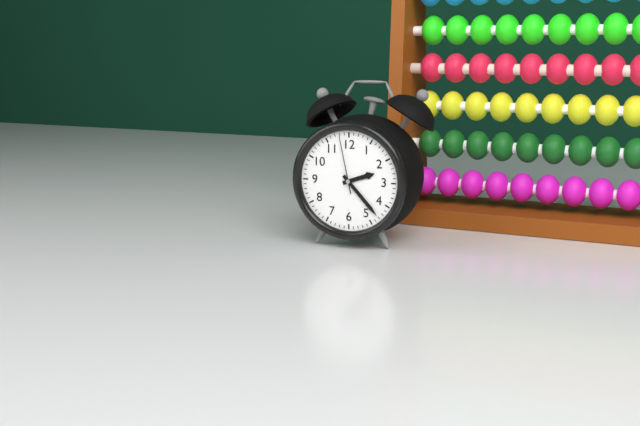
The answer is 2:23:58
